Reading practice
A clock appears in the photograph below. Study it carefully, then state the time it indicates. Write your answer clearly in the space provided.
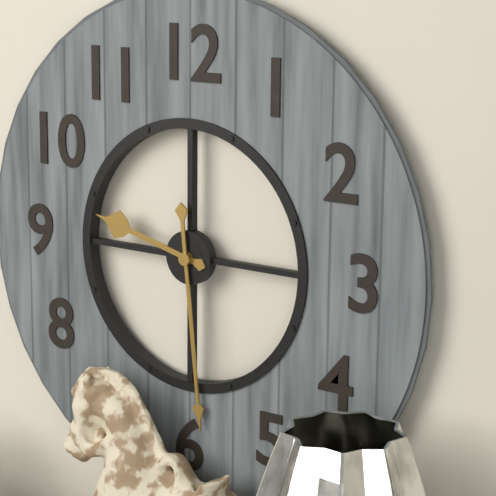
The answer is 9:29
